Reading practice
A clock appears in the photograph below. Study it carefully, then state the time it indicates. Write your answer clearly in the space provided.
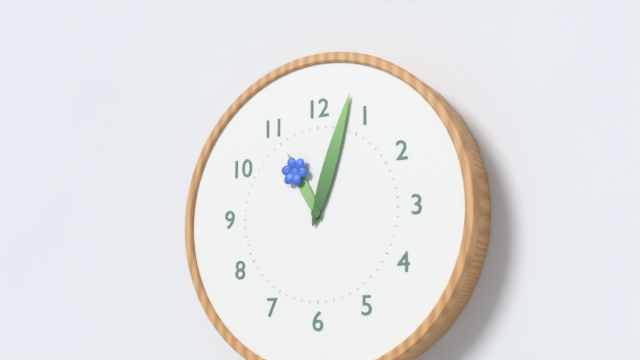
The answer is 11:03
